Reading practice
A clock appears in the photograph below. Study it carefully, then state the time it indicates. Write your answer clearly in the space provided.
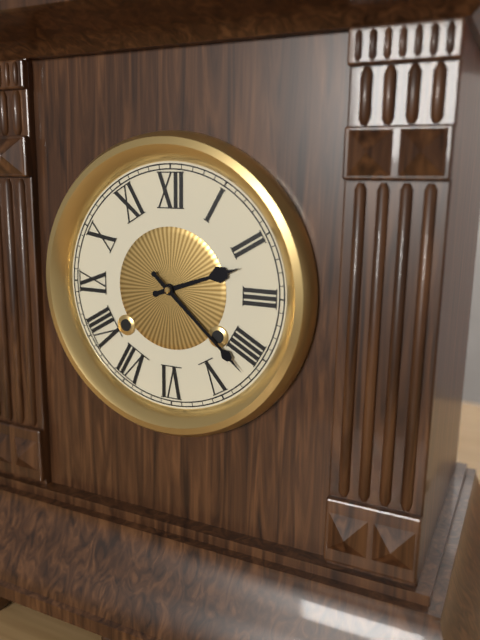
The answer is 2:22
